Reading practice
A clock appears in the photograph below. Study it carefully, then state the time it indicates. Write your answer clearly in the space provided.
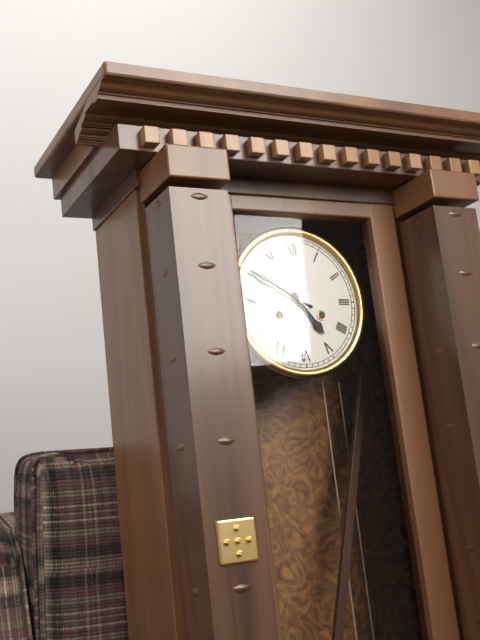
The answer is 4:50
